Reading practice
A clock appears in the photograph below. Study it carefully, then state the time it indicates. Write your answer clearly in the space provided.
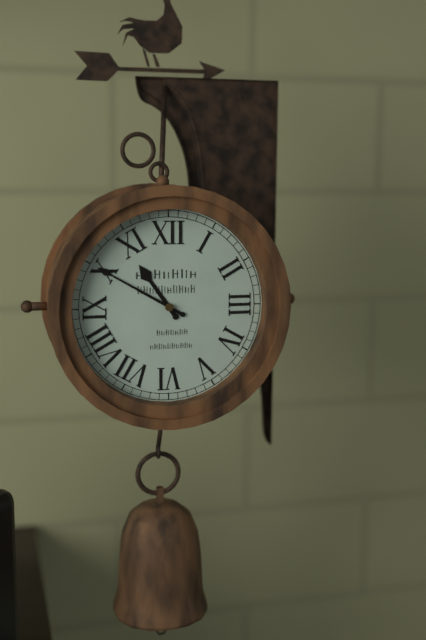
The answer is 10:50
